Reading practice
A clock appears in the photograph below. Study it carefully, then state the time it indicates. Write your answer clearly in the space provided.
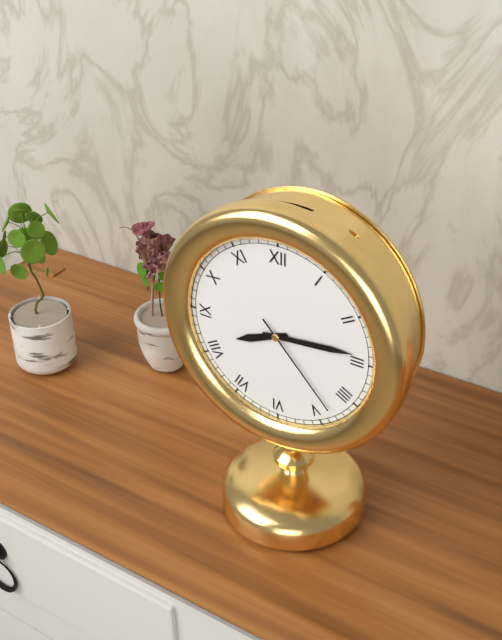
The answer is 8:14:23
